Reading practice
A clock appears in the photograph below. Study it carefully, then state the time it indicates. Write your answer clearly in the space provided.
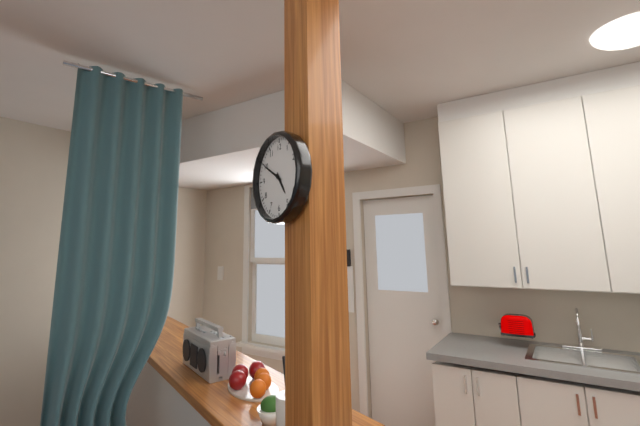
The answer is 4:50
